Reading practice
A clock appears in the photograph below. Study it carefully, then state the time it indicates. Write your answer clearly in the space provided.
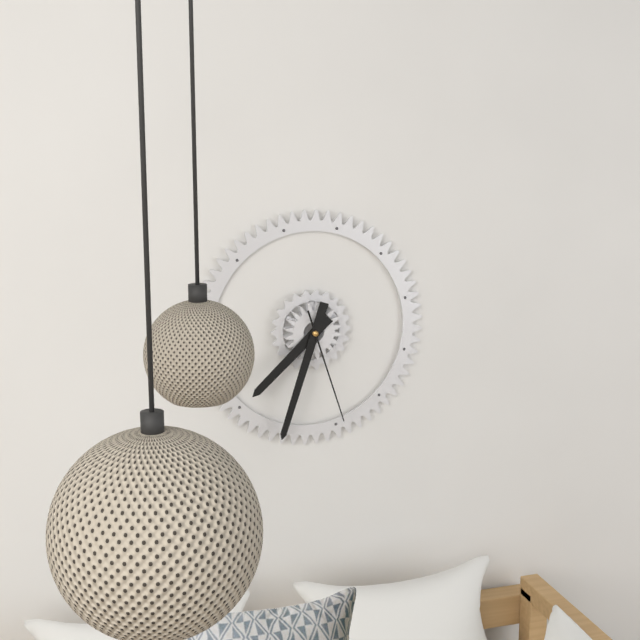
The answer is 7:33:27
